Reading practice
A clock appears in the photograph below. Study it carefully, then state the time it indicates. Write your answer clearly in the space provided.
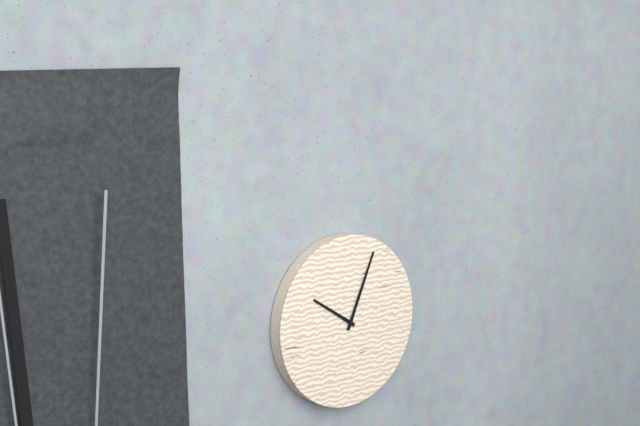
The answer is 10:04
